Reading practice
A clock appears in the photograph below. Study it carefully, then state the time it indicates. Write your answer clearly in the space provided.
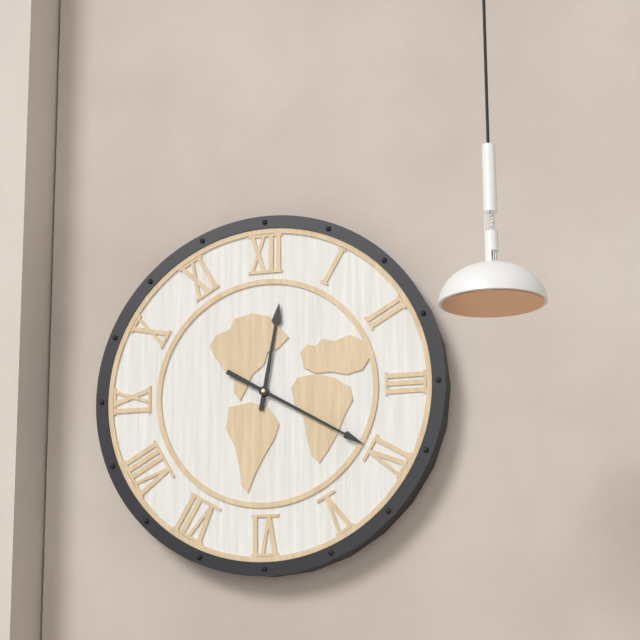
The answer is 12:20
